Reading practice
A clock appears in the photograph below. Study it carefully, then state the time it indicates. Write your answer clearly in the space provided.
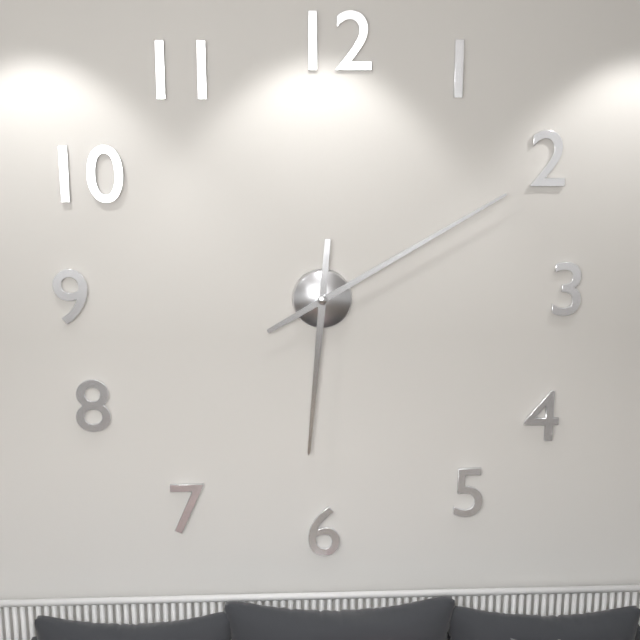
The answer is 6:10
